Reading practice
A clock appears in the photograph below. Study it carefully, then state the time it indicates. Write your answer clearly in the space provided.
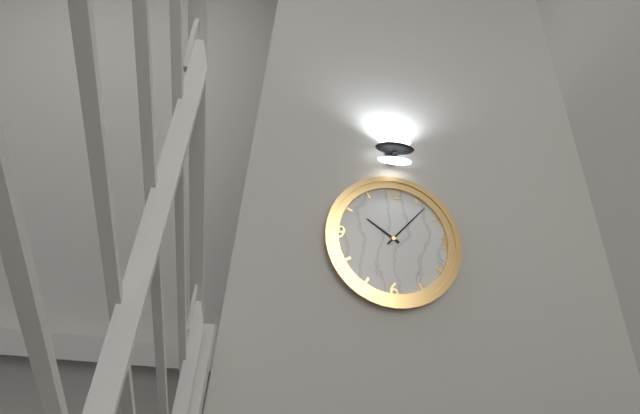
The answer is 10:07
